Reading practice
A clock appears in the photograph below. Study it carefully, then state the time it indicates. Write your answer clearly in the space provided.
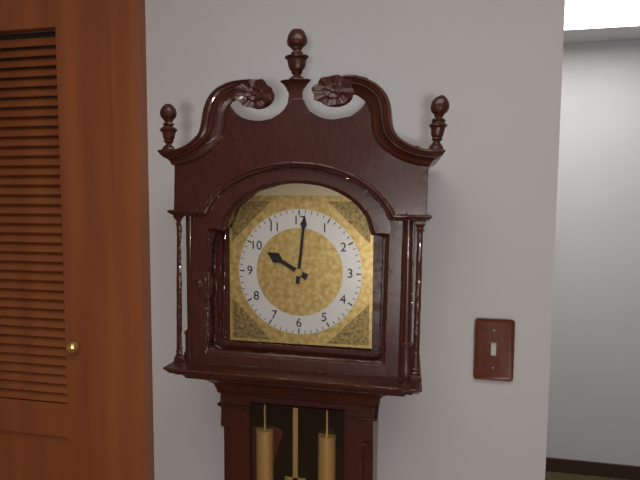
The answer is 10:01
